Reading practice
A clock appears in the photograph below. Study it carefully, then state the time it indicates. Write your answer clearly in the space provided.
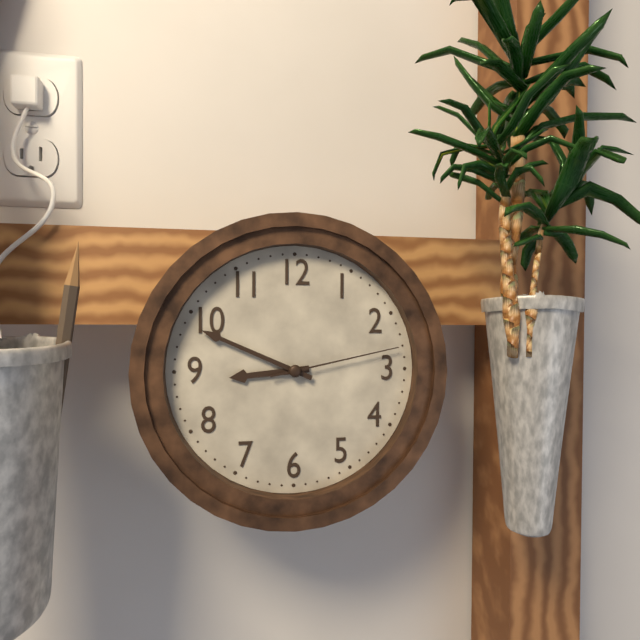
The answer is 8:49:13
